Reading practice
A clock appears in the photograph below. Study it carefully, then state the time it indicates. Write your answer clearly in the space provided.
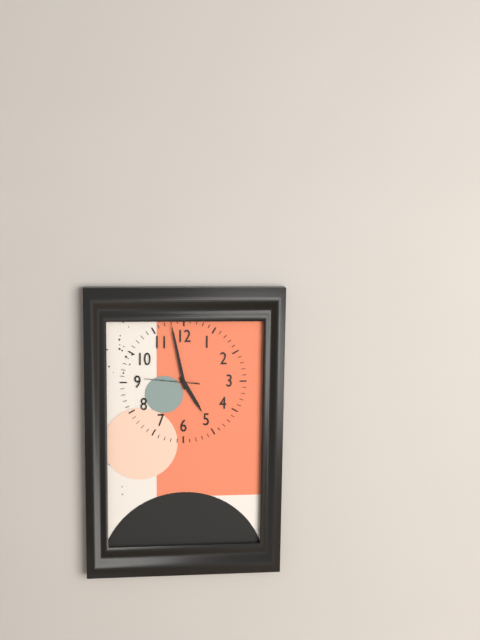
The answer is 4:58:46
